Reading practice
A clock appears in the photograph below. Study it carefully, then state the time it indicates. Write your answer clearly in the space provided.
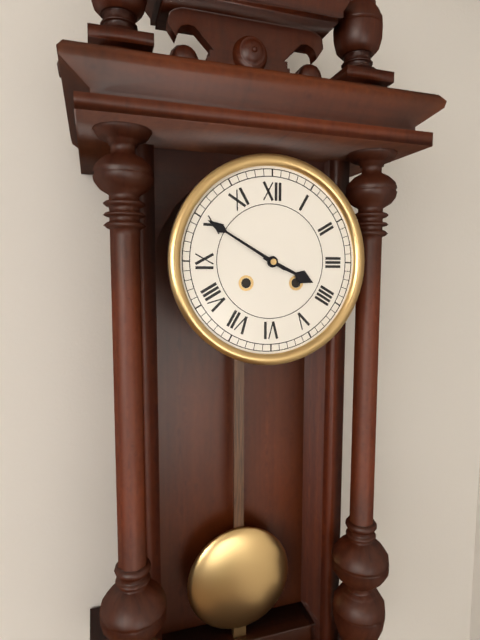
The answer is 3:50
